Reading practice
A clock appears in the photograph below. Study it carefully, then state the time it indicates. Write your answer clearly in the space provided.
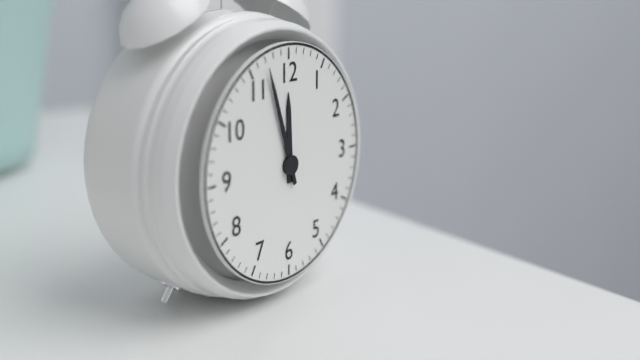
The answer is 11:57
